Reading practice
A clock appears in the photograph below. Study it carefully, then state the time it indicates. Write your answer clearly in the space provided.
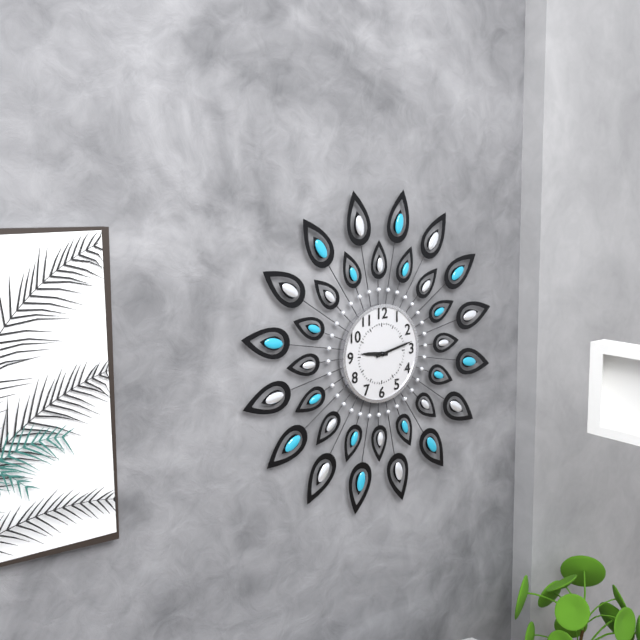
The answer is 9:13
